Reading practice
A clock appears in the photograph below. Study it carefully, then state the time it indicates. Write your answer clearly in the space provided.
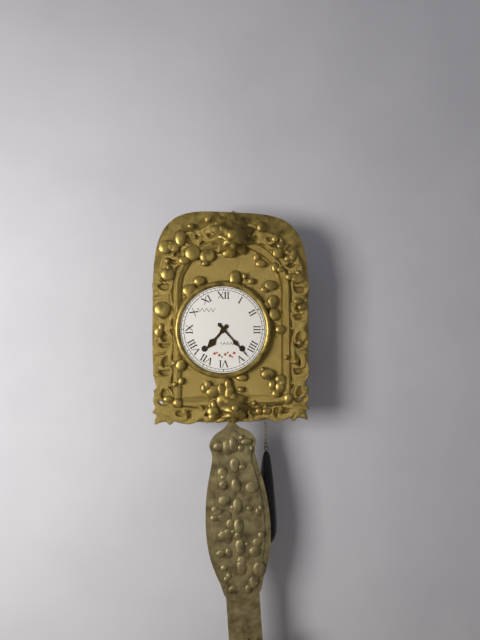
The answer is 7:23
